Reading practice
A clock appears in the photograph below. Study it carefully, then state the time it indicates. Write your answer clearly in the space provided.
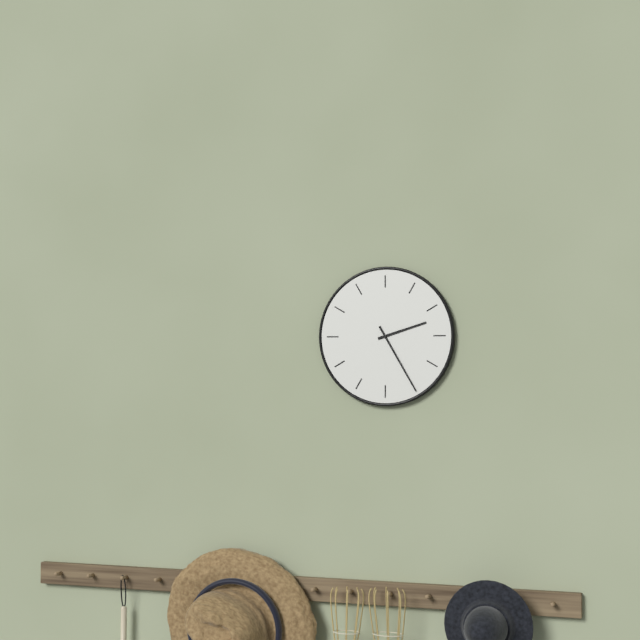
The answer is 2:25
